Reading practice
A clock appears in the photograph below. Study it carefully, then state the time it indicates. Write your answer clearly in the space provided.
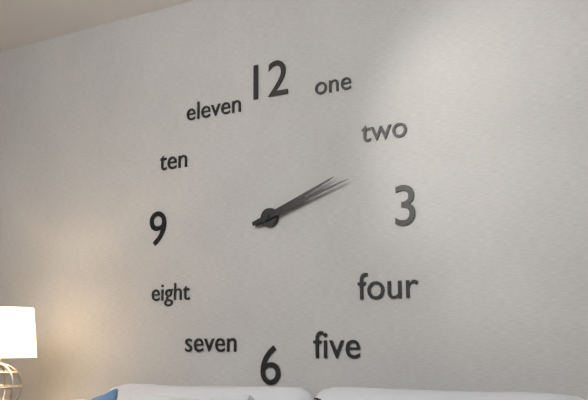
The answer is 2:12
